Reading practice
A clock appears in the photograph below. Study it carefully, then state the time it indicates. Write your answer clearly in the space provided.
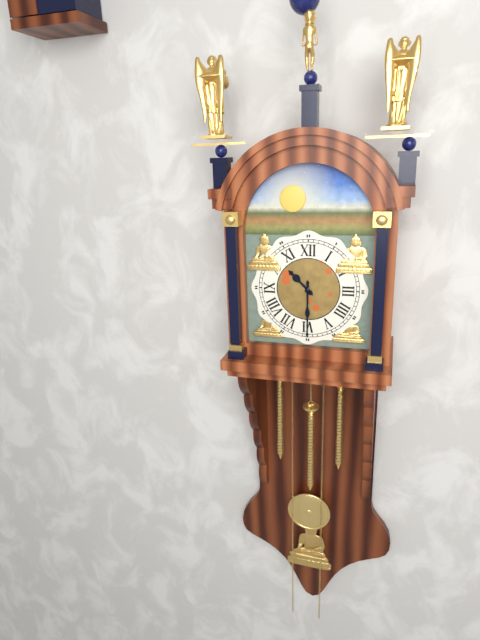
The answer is 10:30
